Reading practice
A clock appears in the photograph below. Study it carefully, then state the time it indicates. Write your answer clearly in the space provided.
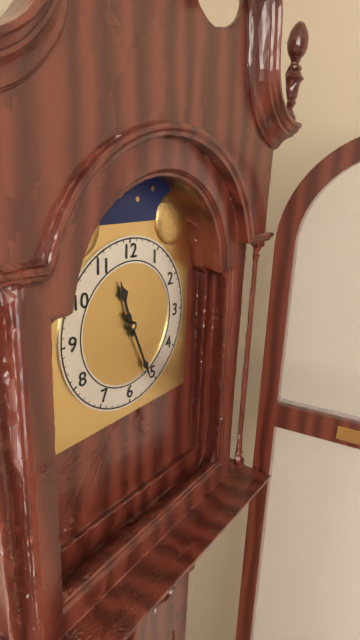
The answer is 11:26
